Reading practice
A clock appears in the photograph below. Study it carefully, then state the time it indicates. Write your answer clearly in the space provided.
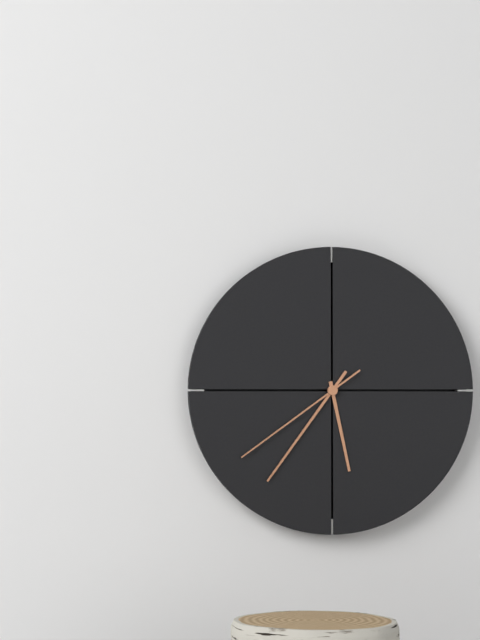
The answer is 5:36:39
